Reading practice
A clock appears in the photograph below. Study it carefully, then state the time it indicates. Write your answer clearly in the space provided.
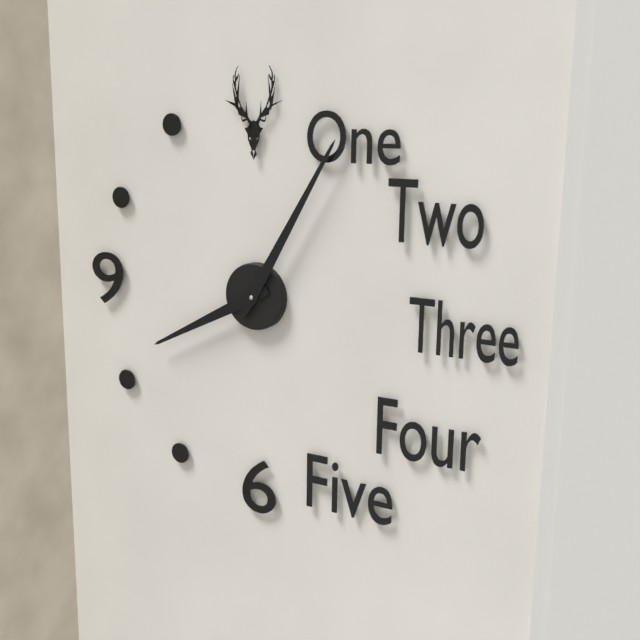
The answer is 8:05
